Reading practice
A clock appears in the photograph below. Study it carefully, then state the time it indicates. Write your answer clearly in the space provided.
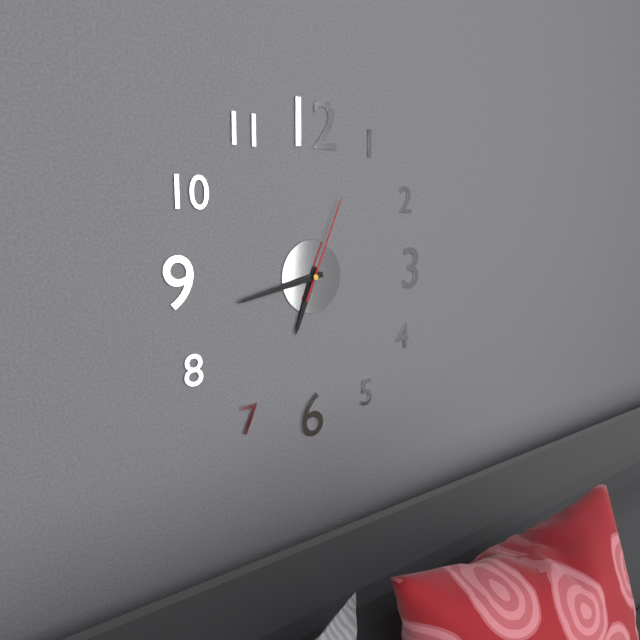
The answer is 6:43:04
